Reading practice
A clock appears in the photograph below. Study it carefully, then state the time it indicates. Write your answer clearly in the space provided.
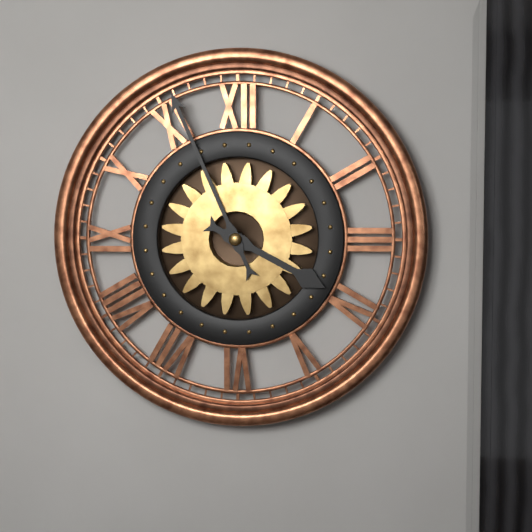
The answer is 3:56
